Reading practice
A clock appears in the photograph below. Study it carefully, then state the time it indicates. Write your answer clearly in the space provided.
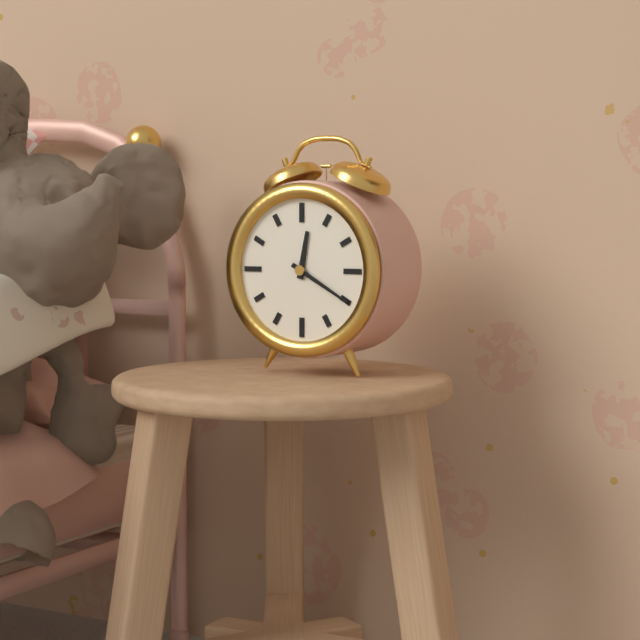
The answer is 12:20
